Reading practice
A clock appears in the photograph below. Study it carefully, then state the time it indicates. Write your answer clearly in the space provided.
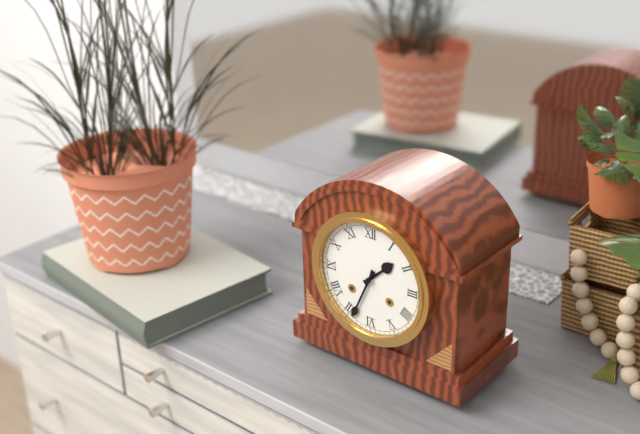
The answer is 1:34
